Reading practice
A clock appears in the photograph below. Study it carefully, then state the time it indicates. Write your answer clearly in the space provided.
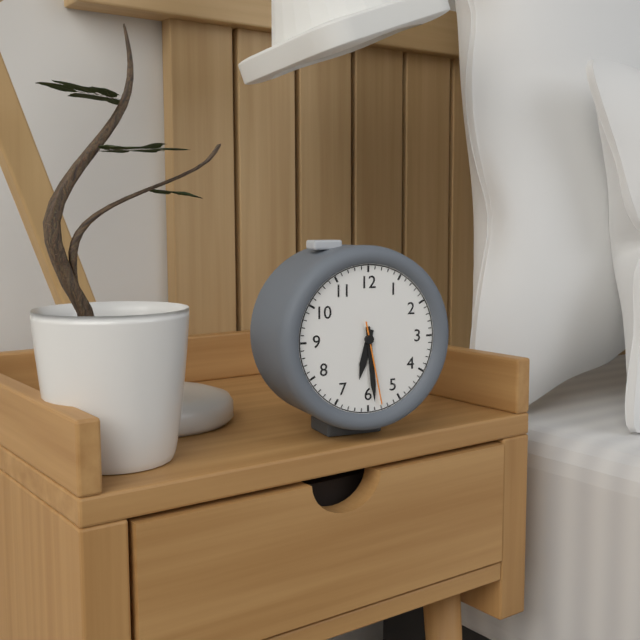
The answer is 6:29:28
